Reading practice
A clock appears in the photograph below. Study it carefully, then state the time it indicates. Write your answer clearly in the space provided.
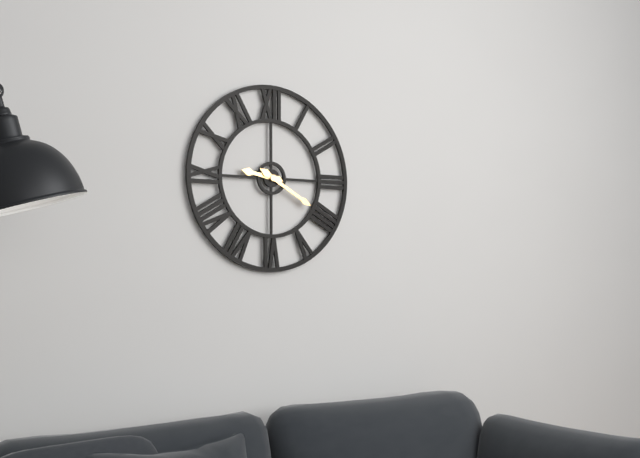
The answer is 9:20
